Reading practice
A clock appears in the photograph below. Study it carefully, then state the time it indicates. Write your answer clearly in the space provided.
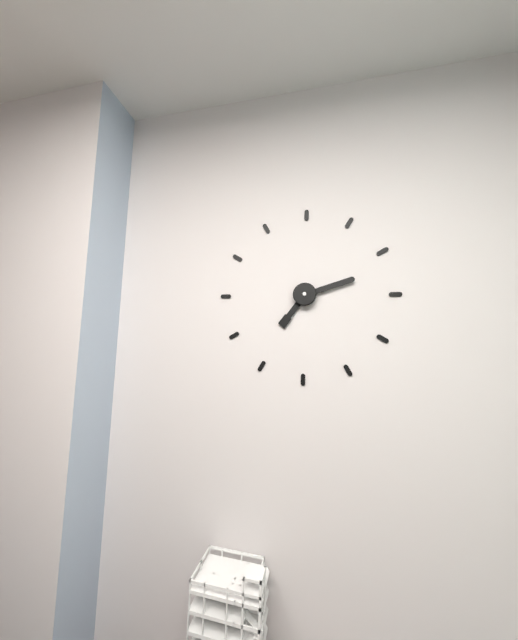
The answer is 7:12
